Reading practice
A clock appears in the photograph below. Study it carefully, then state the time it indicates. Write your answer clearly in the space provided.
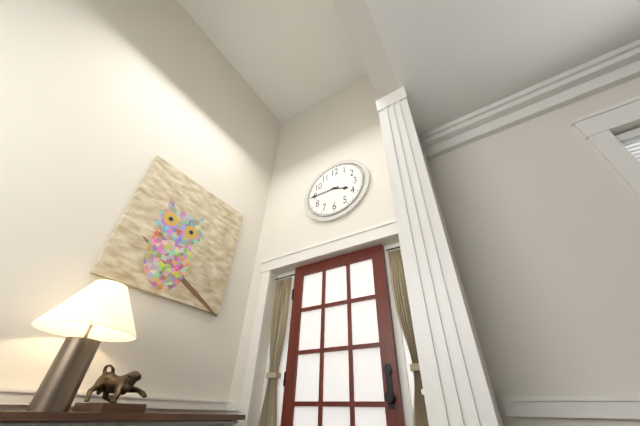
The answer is 3:45
